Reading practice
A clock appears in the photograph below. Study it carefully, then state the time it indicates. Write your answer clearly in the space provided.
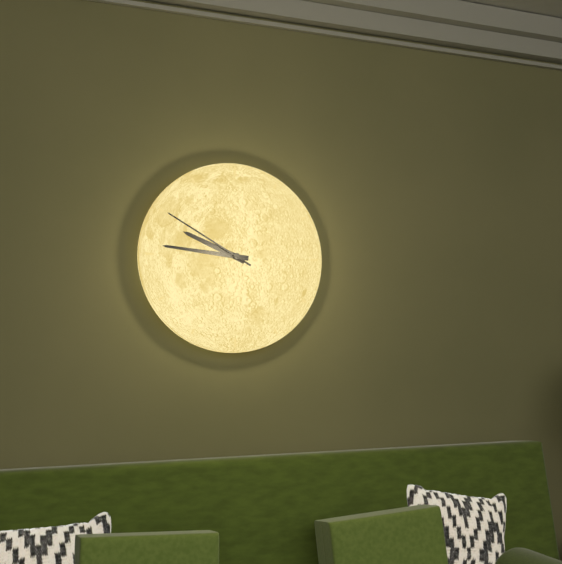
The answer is 9:46:50
